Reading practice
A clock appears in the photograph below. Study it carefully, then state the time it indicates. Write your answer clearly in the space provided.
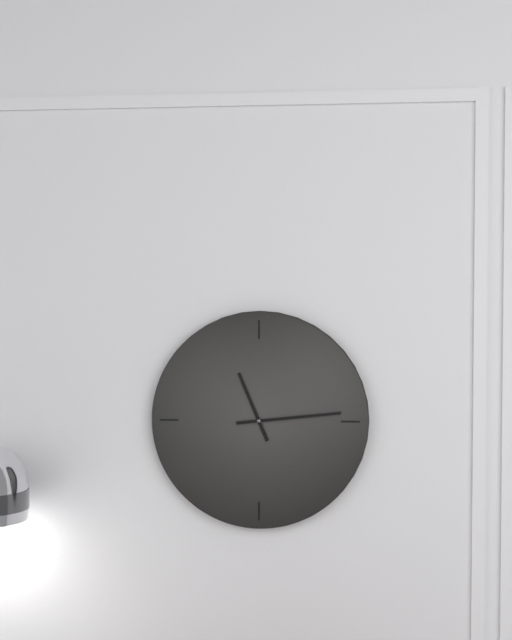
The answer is 11:14
